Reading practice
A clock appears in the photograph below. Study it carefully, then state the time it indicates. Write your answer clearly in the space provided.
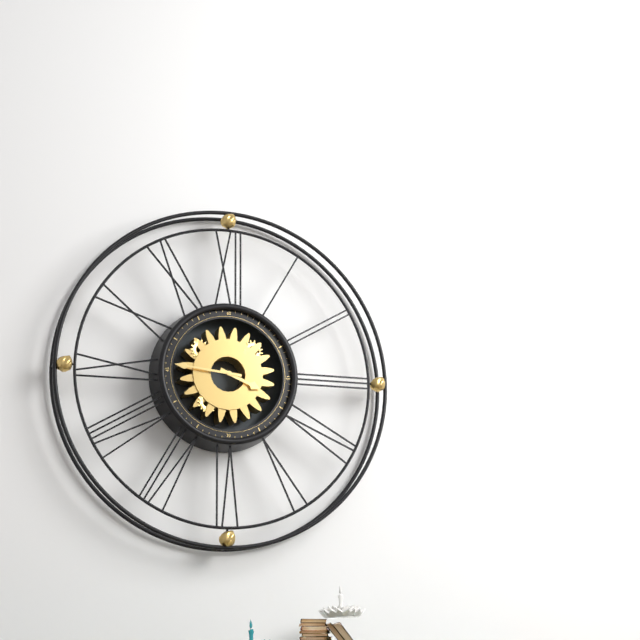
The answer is 3:46
